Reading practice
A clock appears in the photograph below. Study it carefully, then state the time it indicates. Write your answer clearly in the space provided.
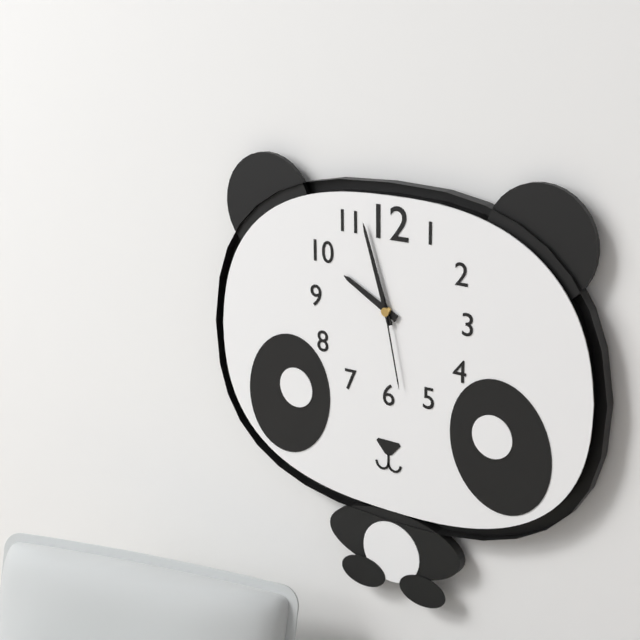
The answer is 9:57:28
